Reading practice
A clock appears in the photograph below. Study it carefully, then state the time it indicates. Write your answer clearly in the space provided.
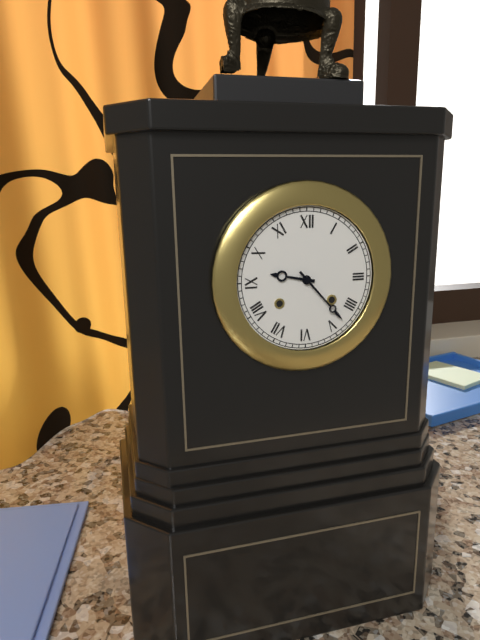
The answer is 9:23
